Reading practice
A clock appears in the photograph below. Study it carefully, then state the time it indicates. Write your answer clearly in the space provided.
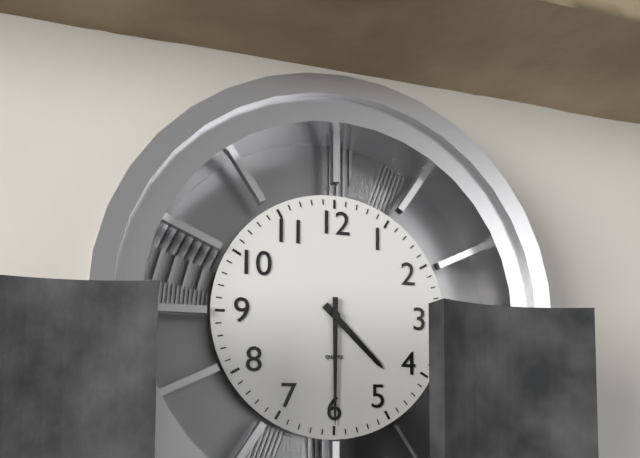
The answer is 4:30
